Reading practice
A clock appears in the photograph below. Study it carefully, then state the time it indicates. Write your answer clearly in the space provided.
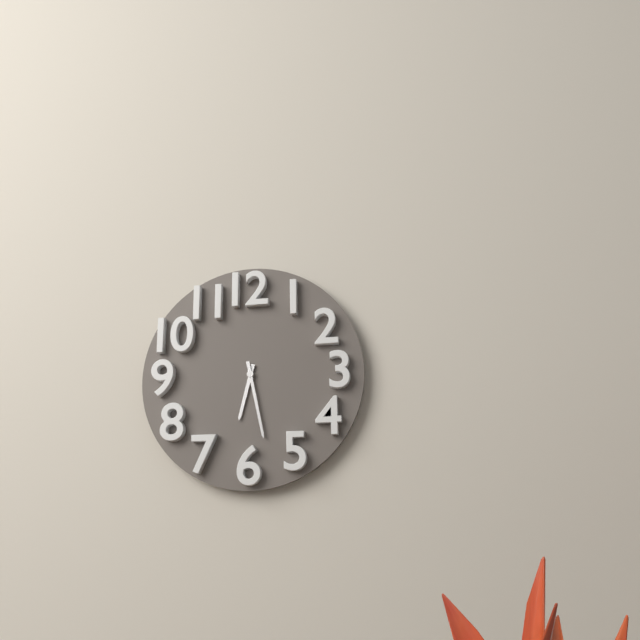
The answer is 6:28
